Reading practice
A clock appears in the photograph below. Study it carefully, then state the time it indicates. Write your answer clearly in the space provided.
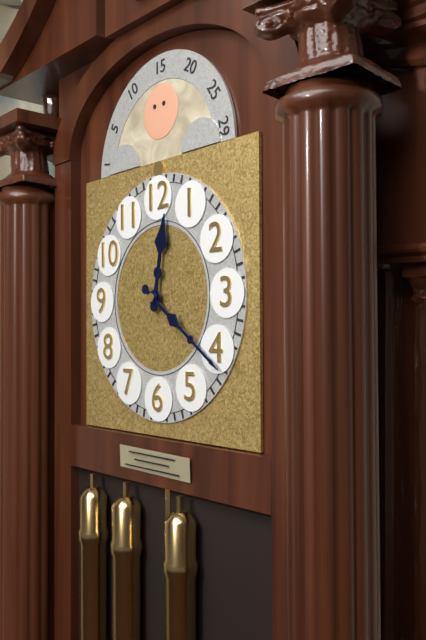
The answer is 12:21
